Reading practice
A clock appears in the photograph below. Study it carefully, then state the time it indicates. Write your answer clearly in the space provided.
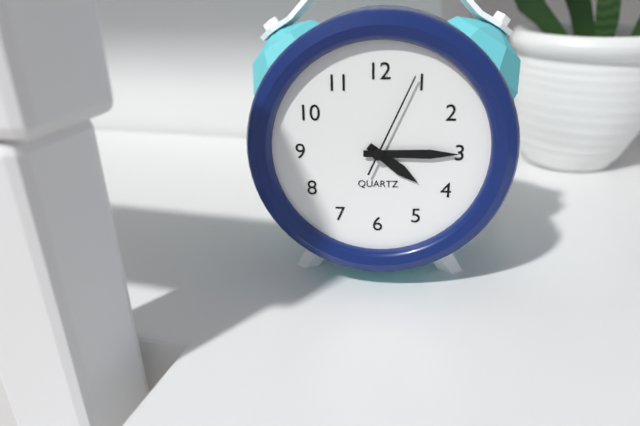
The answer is 4:15:04
